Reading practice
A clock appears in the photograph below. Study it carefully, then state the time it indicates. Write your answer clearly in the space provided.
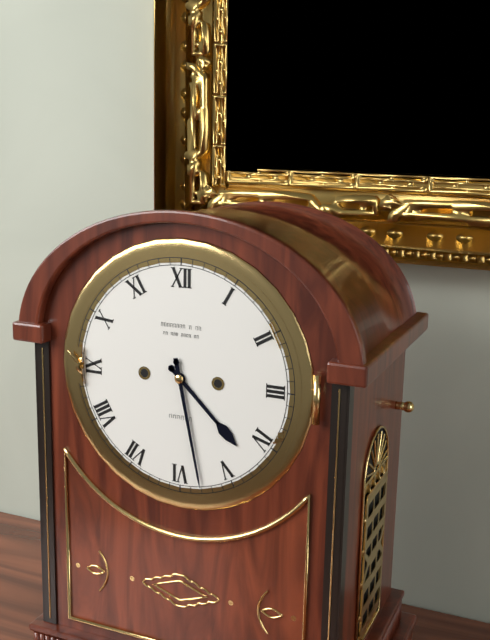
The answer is 4:28
